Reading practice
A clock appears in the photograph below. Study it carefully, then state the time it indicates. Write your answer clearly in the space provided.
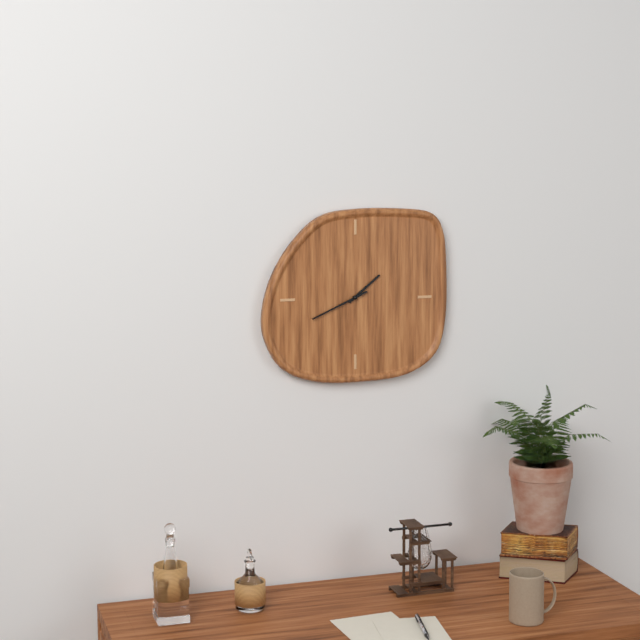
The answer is 1:41
